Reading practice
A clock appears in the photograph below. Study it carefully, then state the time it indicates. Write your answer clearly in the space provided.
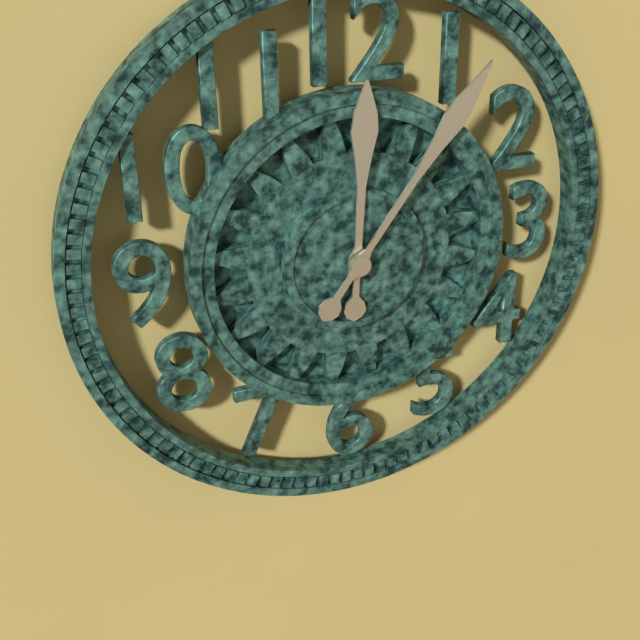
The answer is 12:06
